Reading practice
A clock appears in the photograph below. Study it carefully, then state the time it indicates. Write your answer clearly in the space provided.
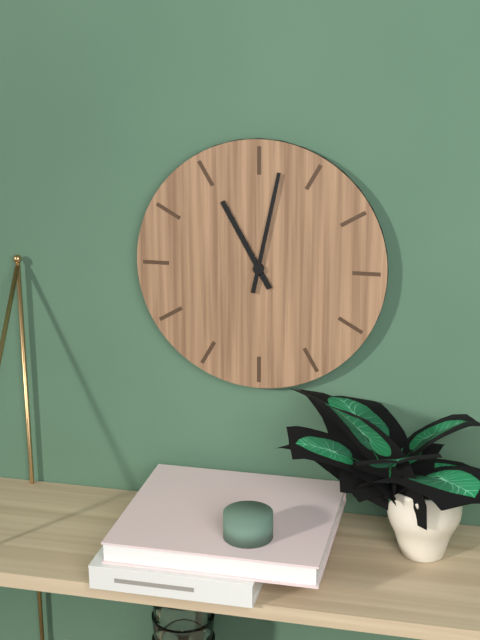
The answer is 11:02
